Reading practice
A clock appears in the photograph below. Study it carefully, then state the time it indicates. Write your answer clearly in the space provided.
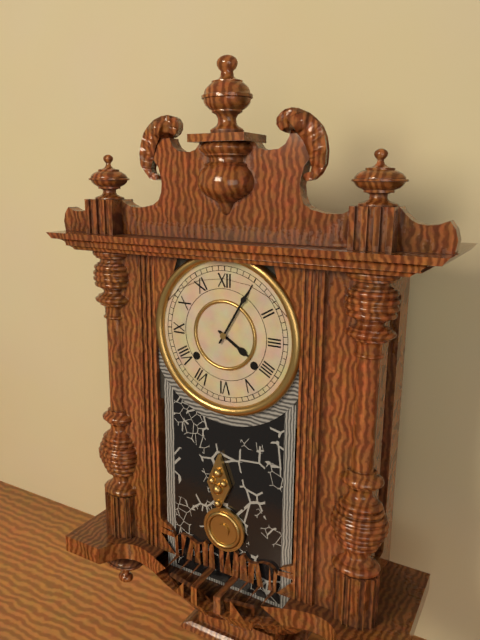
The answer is 4:05
